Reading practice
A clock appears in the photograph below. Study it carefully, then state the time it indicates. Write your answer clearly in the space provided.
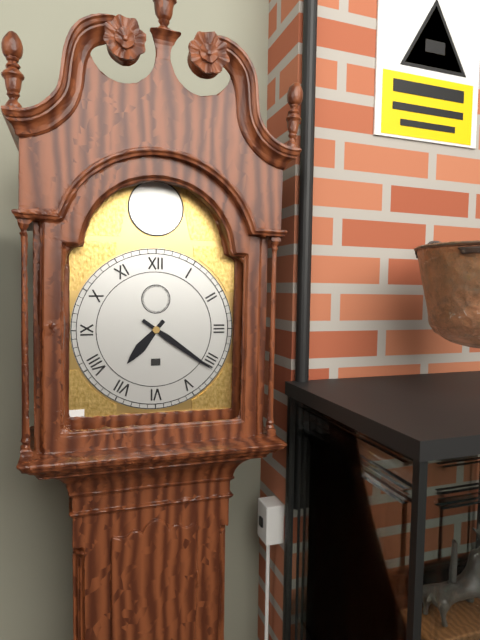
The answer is 7:21
